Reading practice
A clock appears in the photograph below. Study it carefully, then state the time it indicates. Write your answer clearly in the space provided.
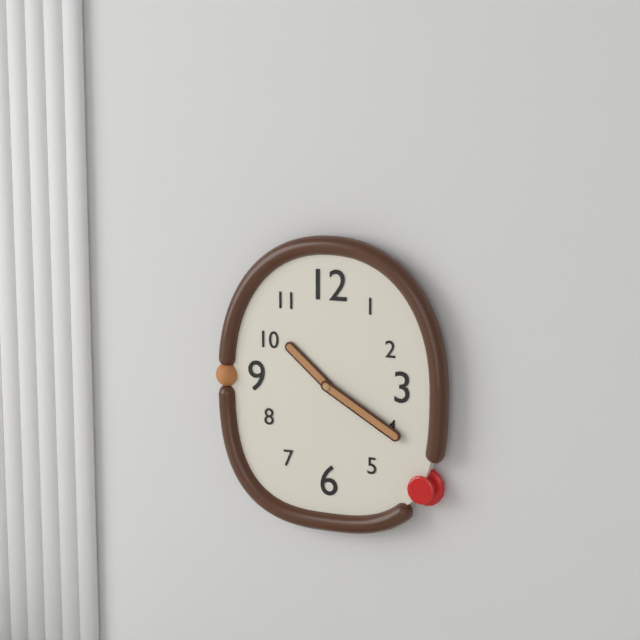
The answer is 10:20
